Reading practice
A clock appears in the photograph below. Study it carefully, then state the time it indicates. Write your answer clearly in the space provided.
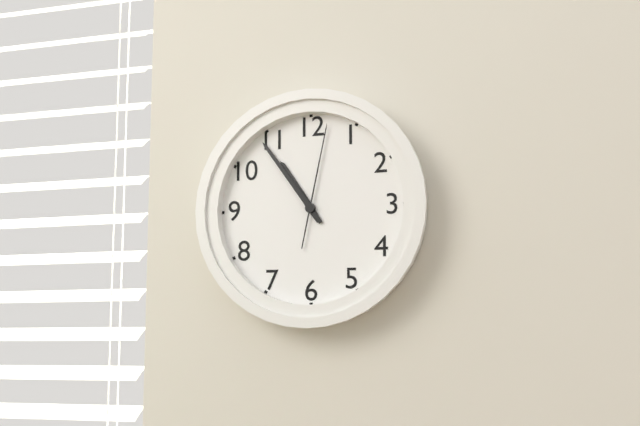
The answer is 10:54:02
